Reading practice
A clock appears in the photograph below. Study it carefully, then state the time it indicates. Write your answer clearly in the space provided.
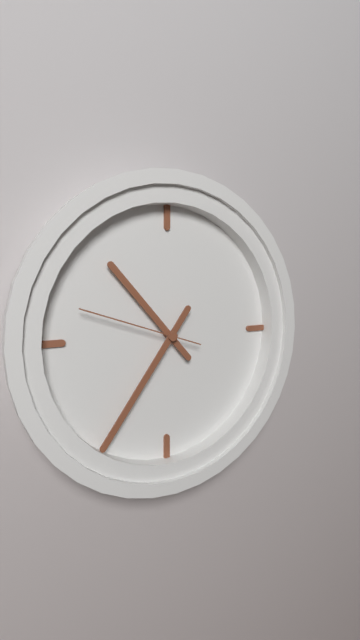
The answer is 10:36:48
